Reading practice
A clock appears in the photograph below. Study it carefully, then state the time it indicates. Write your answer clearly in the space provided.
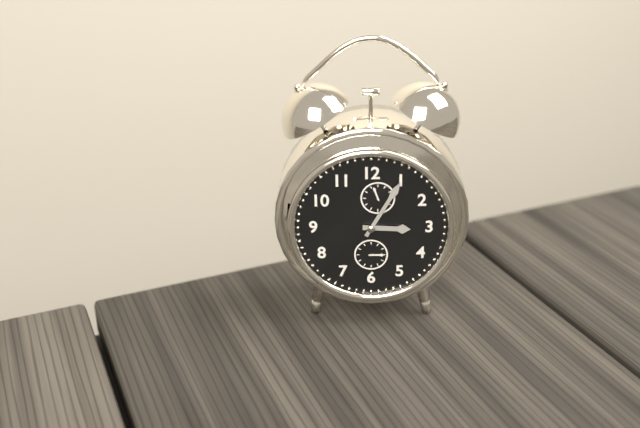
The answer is 3:05
